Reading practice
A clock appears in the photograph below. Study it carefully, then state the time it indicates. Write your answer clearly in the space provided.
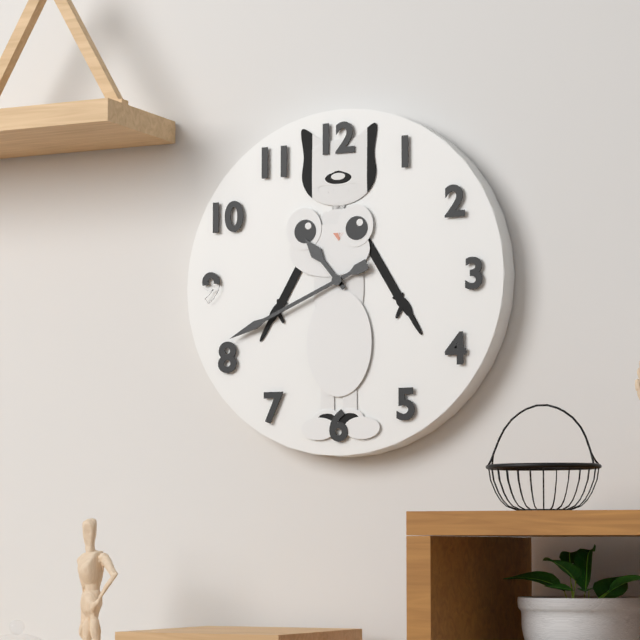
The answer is 10:41
